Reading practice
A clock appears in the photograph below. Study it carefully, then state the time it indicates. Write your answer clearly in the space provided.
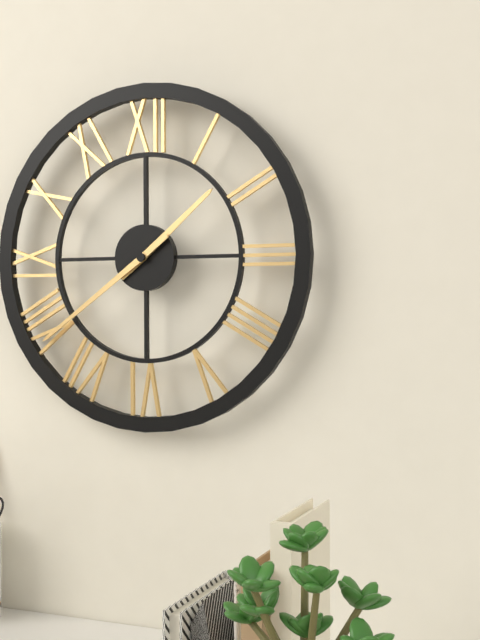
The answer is 1:39
